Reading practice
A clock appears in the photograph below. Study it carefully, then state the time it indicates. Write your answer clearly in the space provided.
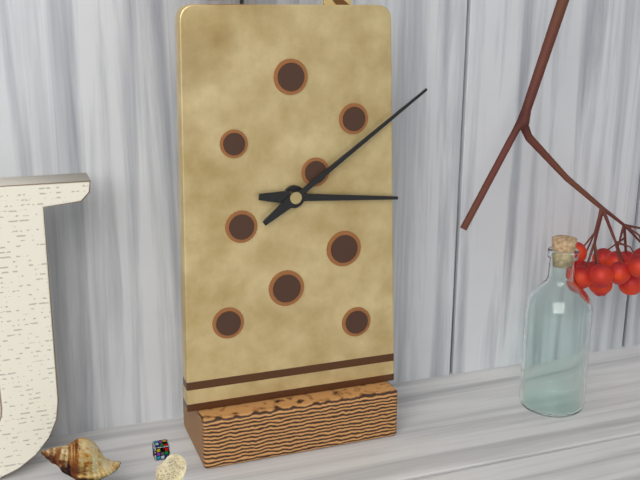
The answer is 3:09
